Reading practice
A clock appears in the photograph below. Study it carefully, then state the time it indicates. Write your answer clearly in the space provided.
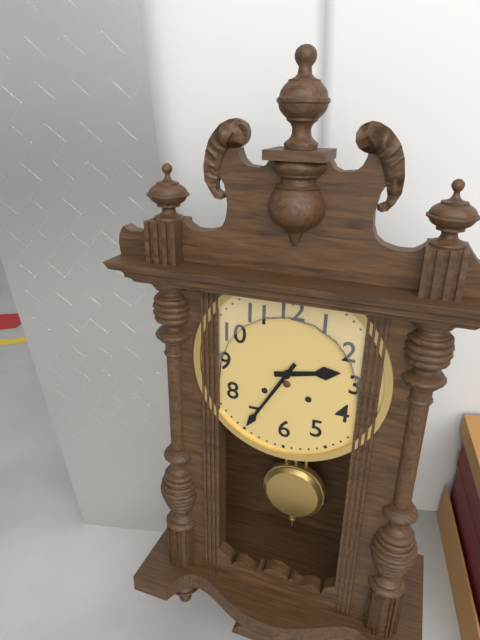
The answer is 2:35
